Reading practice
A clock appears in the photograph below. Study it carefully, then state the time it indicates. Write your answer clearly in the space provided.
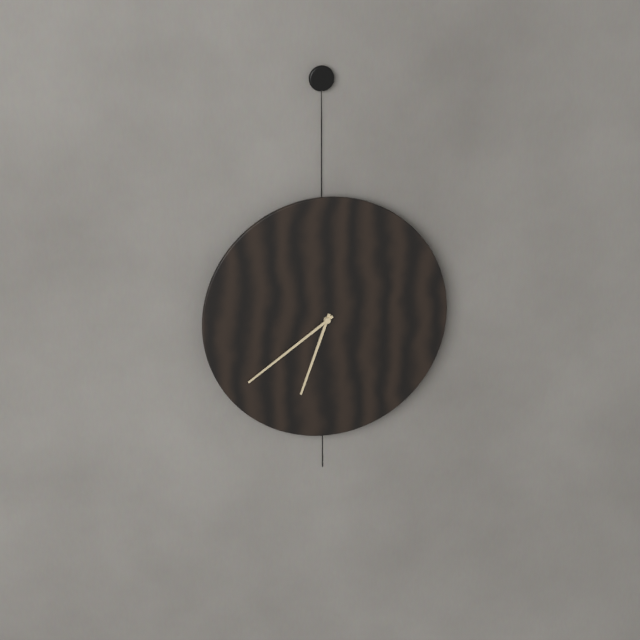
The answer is 6:39
